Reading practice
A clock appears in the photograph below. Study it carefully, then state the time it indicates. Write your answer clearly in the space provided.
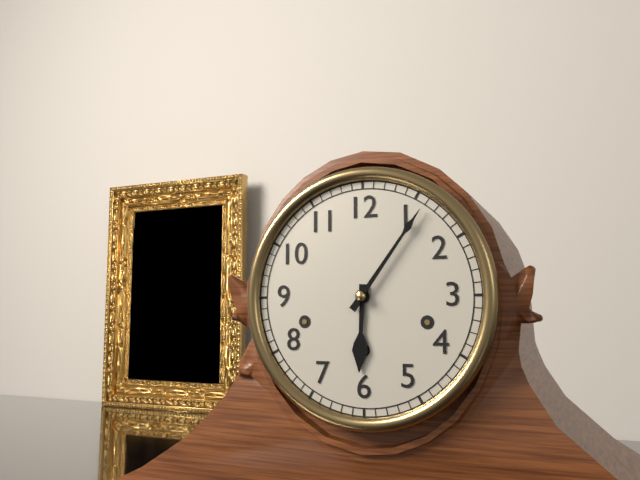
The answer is 6:06
